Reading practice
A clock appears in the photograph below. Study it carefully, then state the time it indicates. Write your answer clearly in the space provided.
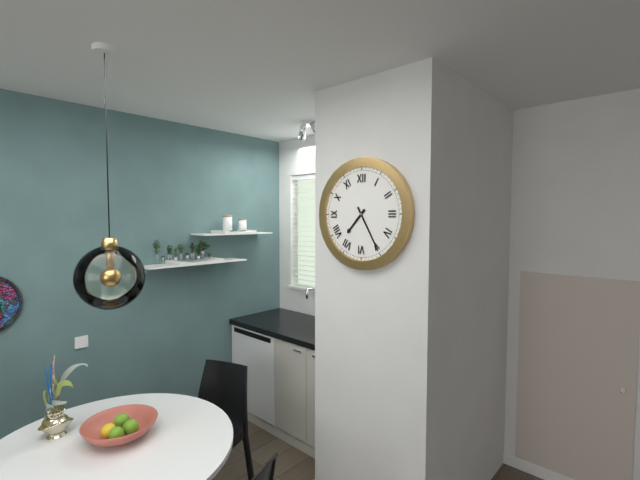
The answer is 7:25
